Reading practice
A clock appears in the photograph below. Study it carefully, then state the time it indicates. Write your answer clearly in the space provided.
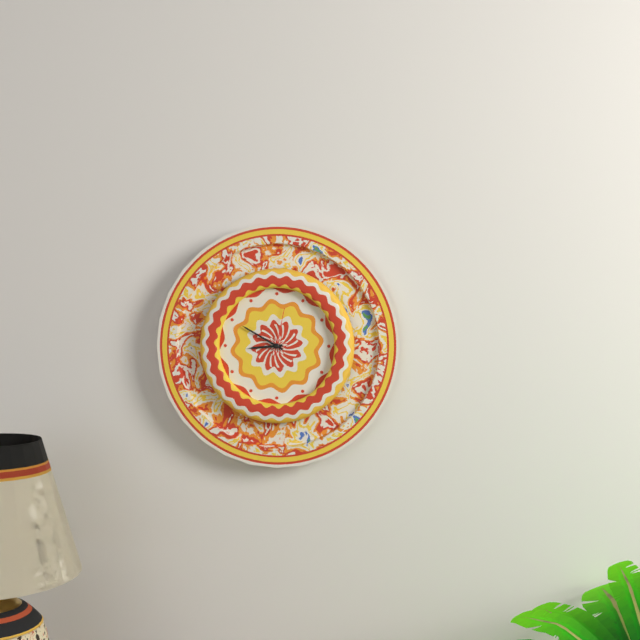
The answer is 8:50
